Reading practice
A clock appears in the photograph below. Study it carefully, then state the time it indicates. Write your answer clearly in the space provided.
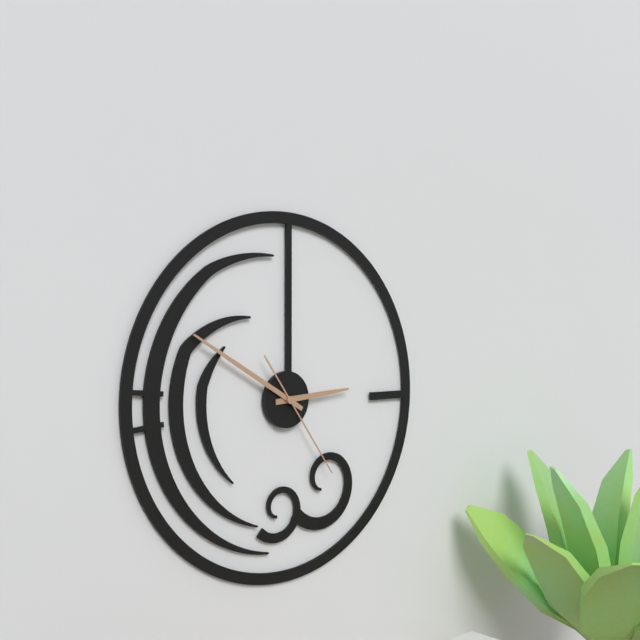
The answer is 2:50:24
